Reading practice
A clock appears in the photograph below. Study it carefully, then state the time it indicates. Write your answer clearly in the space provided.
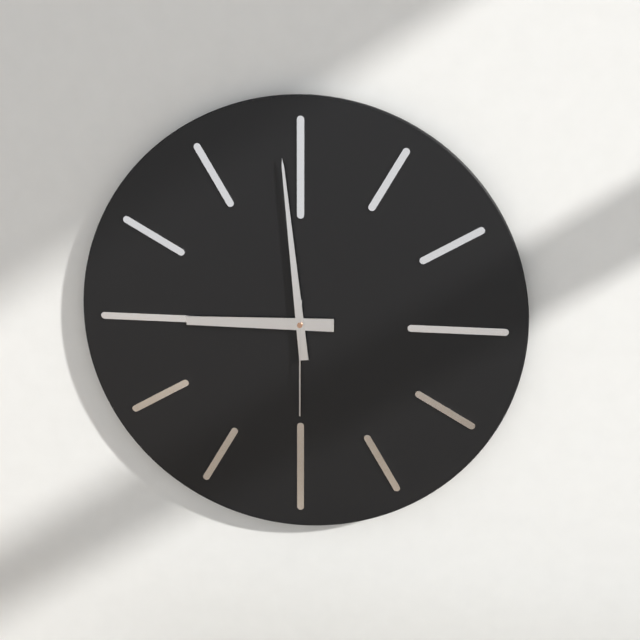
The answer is 8:59:30
